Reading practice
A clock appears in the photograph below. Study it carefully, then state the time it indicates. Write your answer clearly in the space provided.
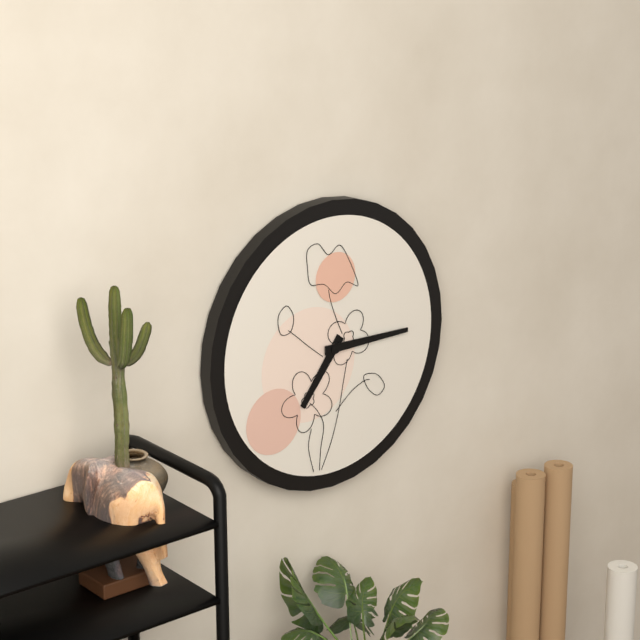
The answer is 7:15
